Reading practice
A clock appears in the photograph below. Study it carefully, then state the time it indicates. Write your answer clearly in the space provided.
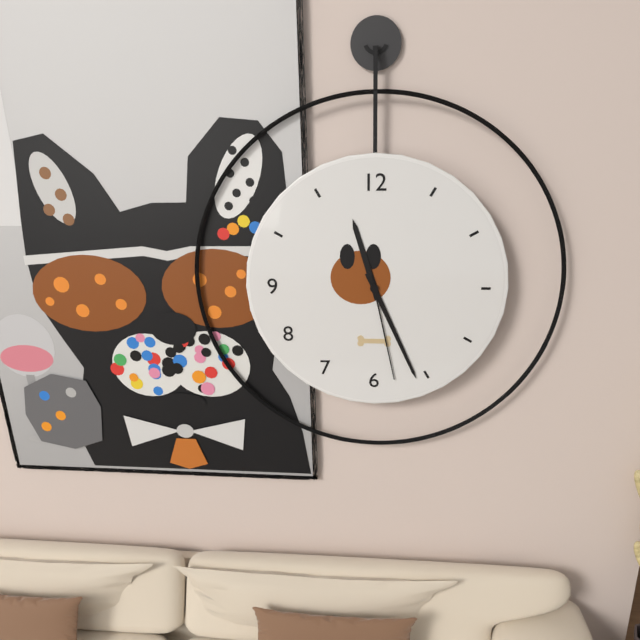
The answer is 11:26:28
